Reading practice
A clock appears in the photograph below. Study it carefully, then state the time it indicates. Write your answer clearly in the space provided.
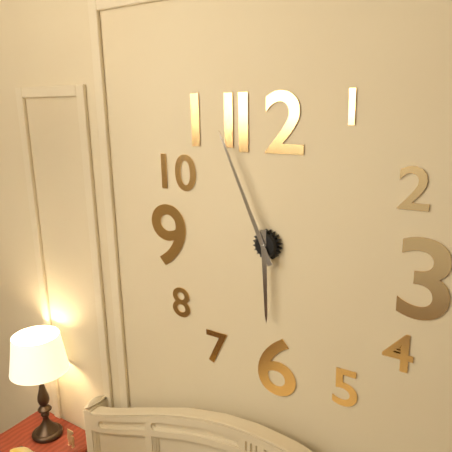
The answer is 5:56
